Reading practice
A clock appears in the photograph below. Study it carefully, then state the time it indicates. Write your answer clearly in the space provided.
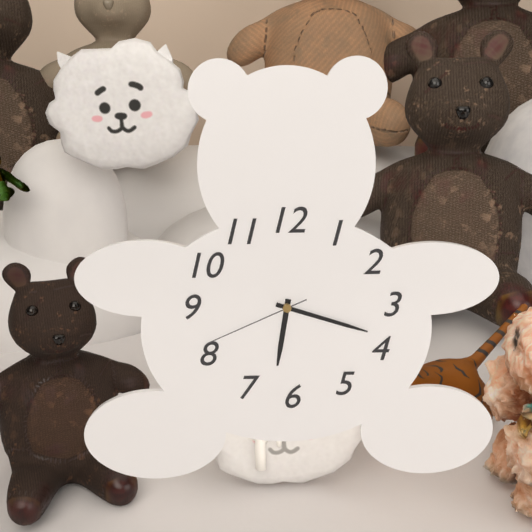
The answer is 6:18:41
